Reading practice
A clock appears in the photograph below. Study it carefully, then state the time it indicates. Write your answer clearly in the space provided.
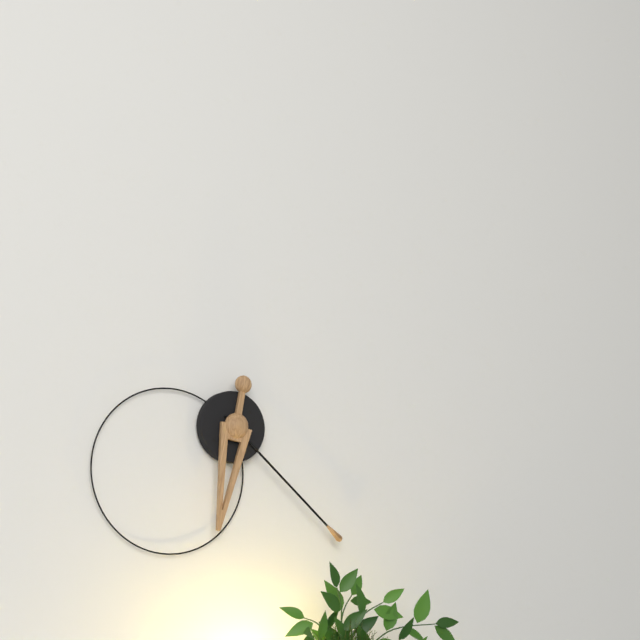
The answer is 6:22
